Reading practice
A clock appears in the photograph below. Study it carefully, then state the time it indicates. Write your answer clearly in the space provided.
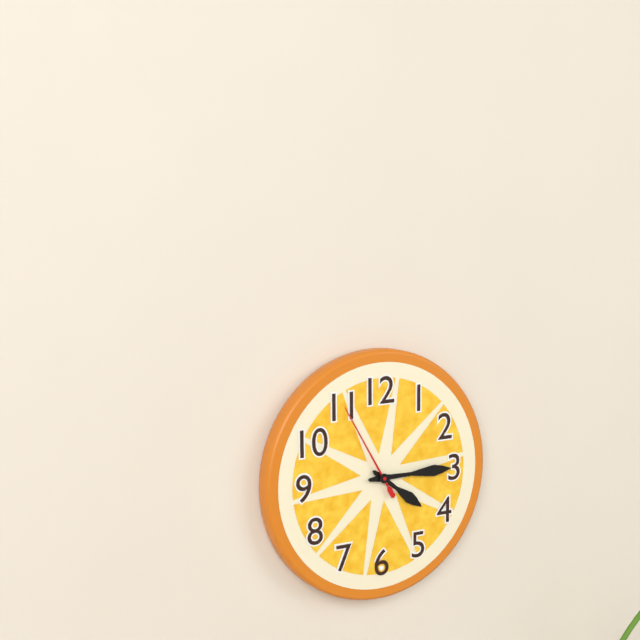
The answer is 4:15:55
